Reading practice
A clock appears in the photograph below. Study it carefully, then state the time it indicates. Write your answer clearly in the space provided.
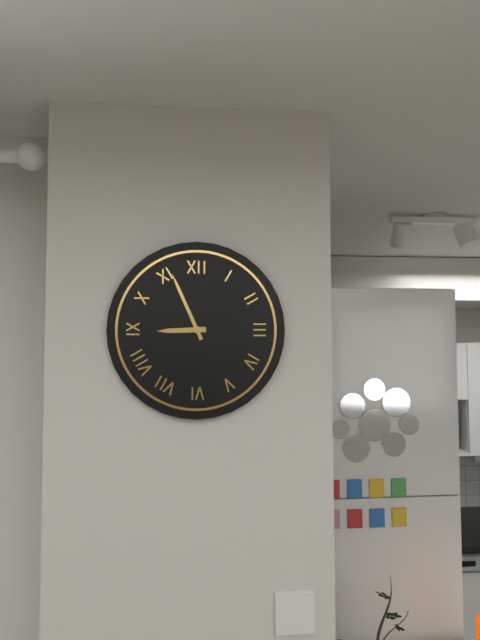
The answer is 8:56
